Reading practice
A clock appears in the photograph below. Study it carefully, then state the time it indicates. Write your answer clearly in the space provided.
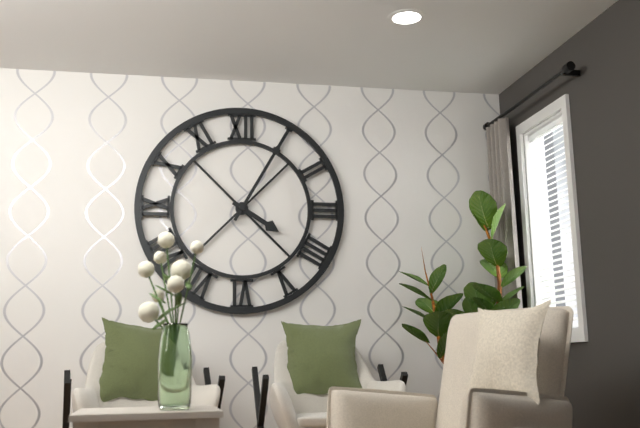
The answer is 4:05
